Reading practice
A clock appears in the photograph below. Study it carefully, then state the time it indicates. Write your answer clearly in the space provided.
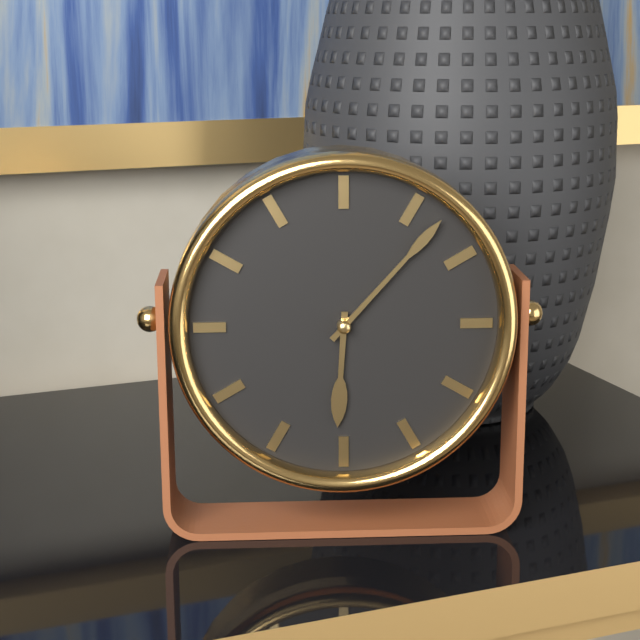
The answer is 6:07
